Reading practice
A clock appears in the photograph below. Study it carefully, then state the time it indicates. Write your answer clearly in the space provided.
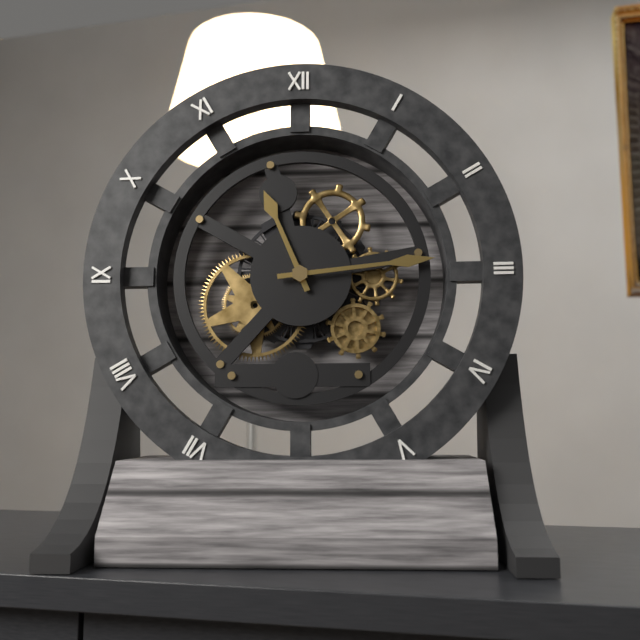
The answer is 11:14
